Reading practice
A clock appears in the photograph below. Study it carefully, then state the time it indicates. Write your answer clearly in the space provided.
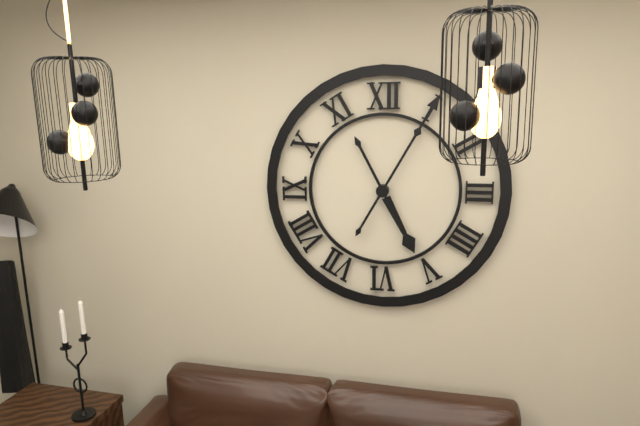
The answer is 5:05
